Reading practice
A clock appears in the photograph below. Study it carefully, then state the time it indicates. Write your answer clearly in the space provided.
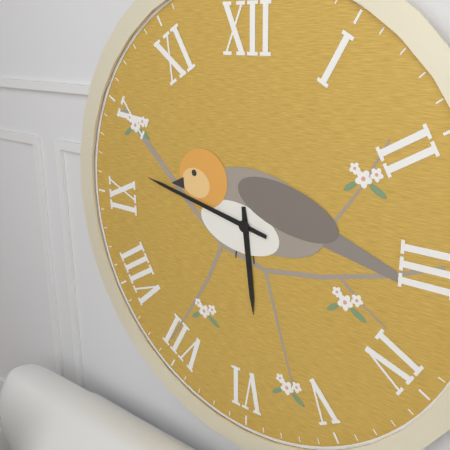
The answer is 5:47
